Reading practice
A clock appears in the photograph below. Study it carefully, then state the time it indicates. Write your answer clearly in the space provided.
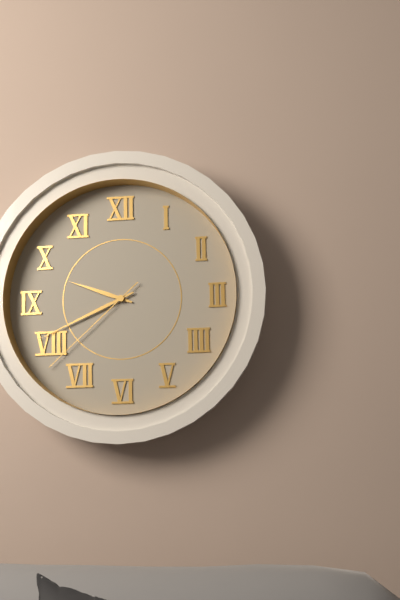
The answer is 9:41:38
